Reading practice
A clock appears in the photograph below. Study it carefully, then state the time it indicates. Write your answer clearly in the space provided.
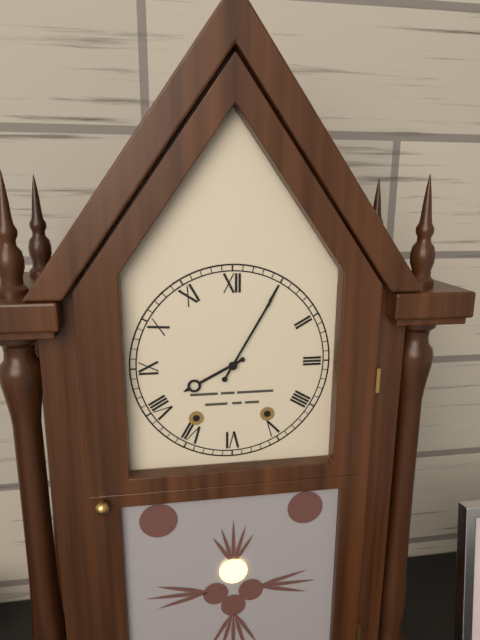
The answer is 8:05
